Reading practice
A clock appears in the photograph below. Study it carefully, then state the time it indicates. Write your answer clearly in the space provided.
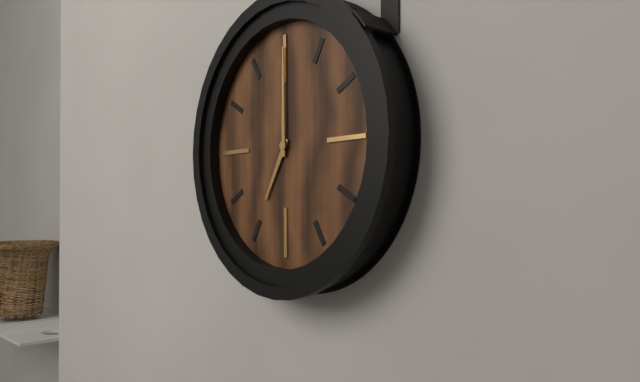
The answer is 7:00
